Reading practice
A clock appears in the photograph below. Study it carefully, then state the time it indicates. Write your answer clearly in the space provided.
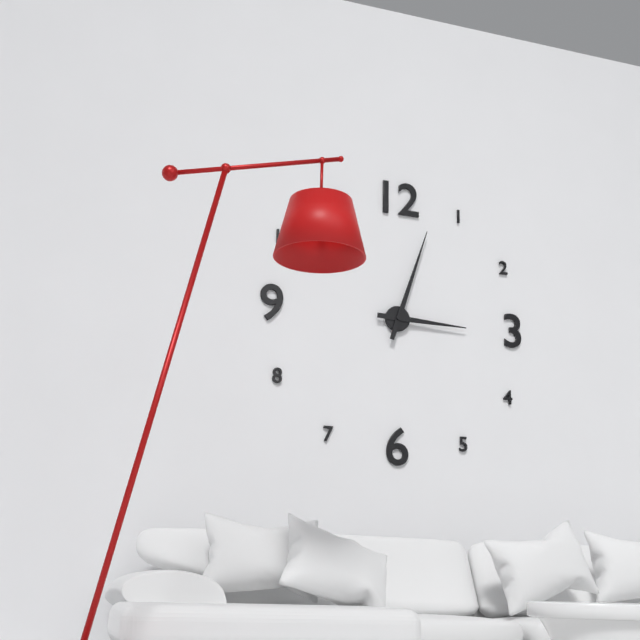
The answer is 3:03
